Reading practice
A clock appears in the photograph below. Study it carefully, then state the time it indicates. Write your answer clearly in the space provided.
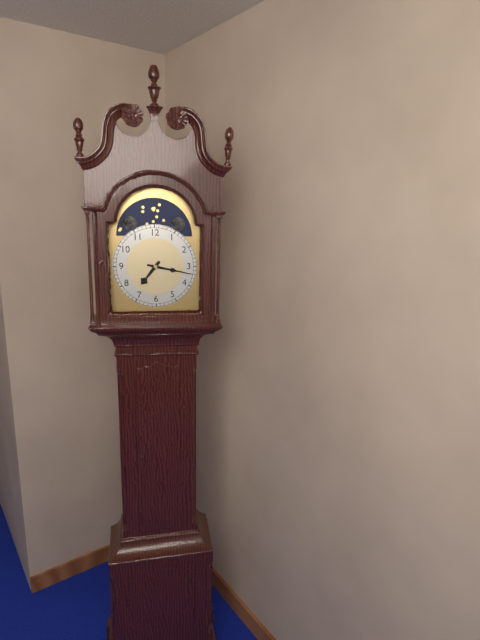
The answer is 7:17
